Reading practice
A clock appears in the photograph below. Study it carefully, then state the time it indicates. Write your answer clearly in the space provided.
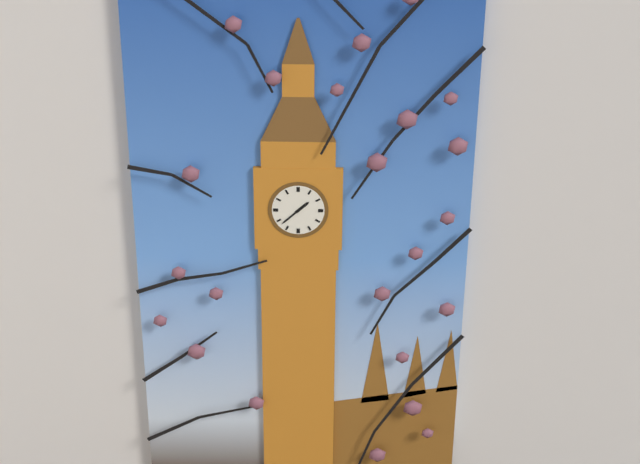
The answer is 1:38
